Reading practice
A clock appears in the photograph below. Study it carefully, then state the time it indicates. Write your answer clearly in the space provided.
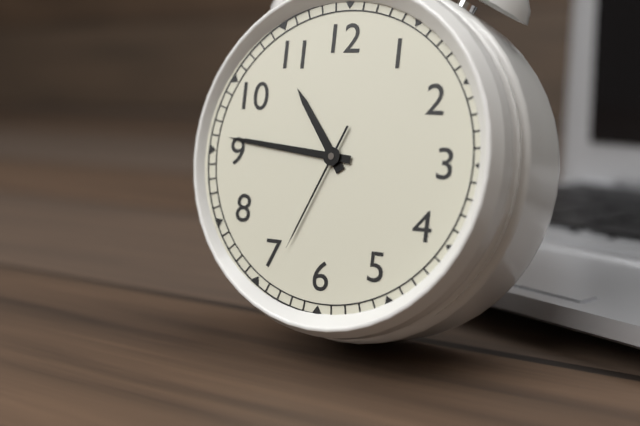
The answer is 10:46:34
